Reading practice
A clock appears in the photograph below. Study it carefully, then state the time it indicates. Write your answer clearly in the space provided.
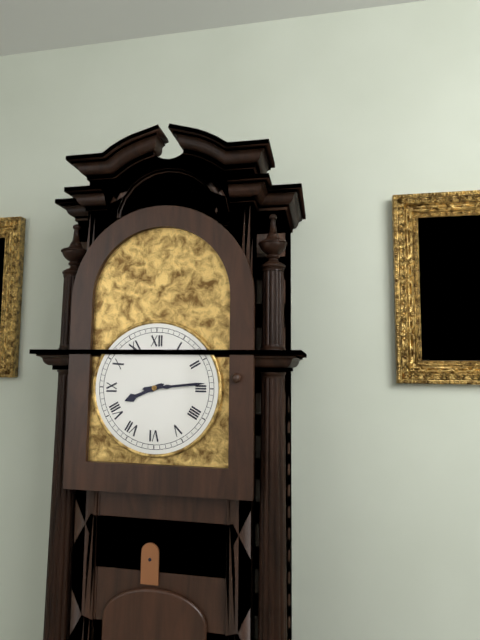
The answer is 8:14
